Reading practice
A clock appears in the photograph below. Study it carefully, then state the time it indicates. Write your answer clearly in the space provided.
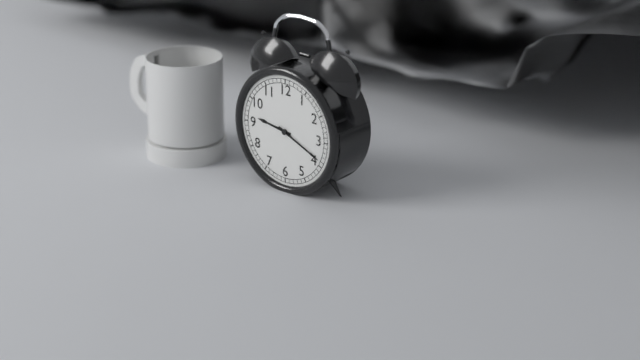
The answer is 9:19
